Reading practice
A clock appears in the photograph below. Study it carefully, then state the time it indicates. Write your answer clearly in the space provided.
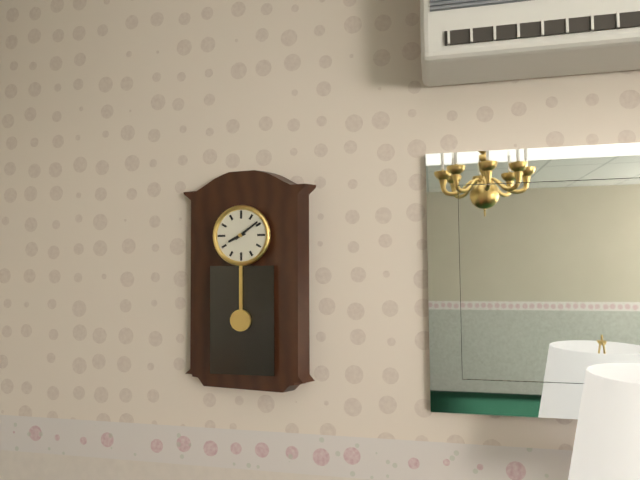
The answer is 8:09
